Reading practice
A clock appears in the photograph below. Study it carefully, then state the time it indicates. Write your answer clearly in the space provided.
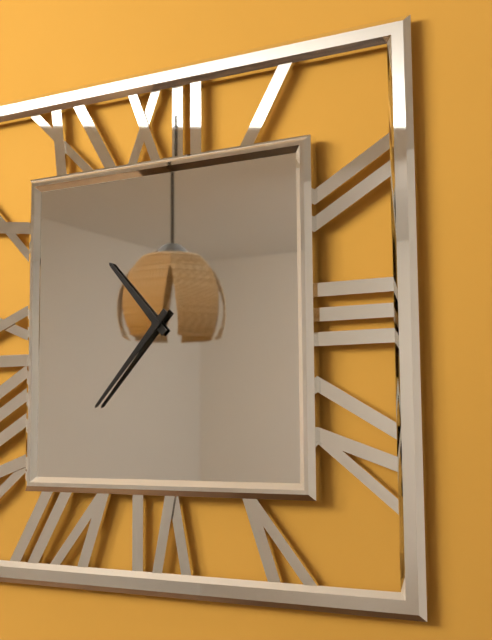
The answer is 10:37
